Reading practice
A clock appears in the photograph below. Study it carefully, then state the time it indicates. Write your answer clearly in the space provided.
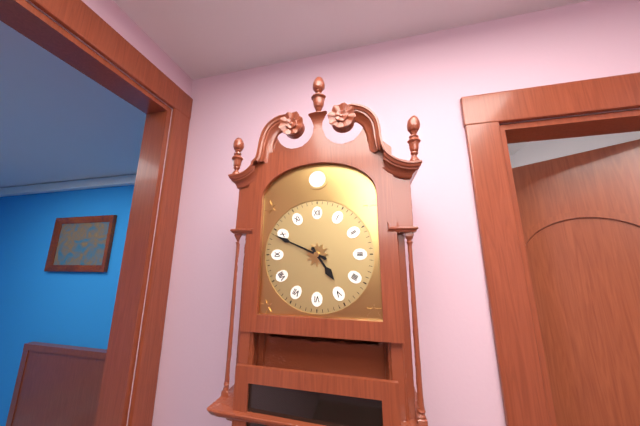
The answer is 4:49
